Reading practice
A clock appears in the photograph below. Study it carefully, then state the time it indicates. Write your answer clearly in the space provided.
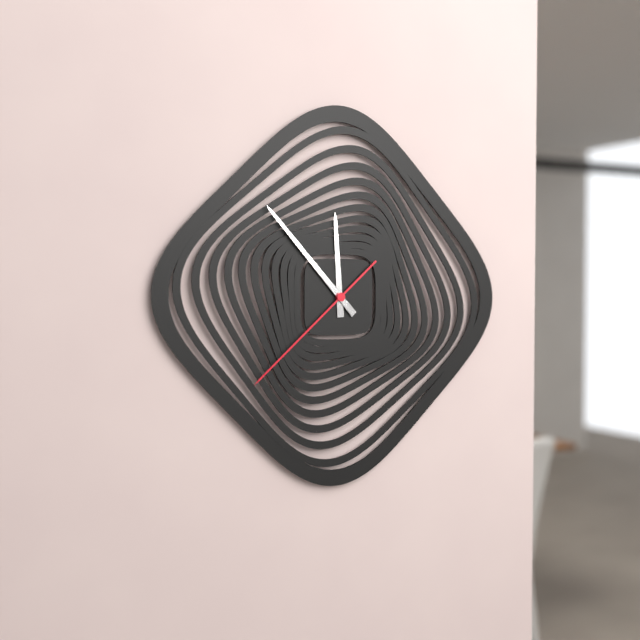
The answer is 11:53:38
